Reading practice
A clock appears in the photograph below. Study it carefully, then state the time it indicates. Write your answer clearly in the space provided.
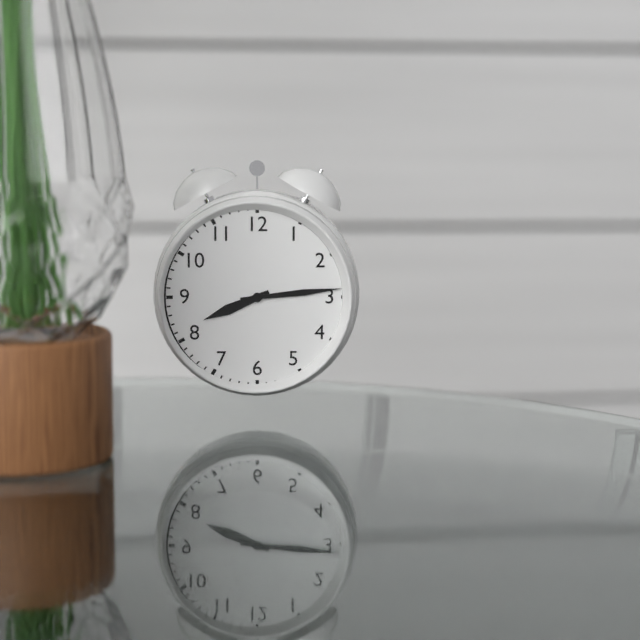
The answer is 8:14
